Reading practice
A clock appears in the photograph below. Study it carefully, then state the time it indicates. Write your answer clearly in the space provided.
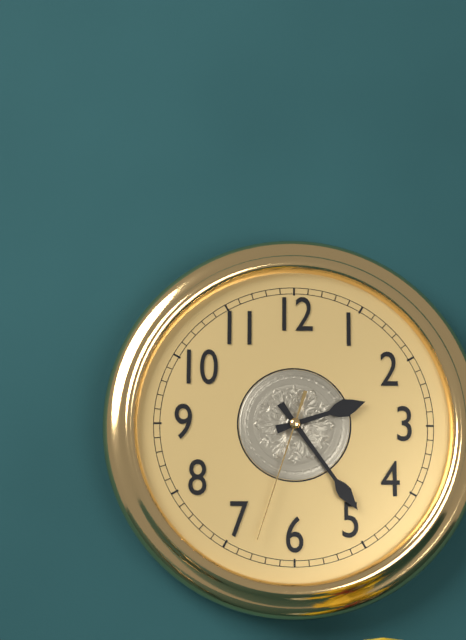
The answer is 2:24:33
